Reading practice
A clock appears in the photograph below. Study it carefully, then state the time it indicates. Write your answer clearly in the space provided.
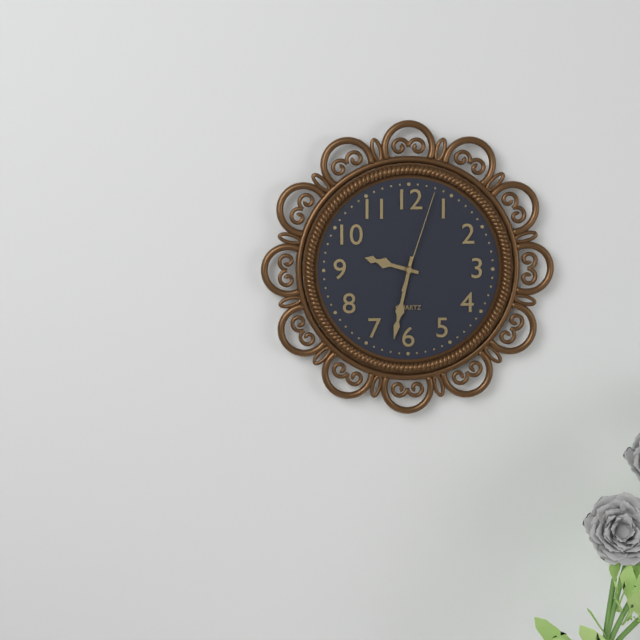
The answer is 9:32:03
